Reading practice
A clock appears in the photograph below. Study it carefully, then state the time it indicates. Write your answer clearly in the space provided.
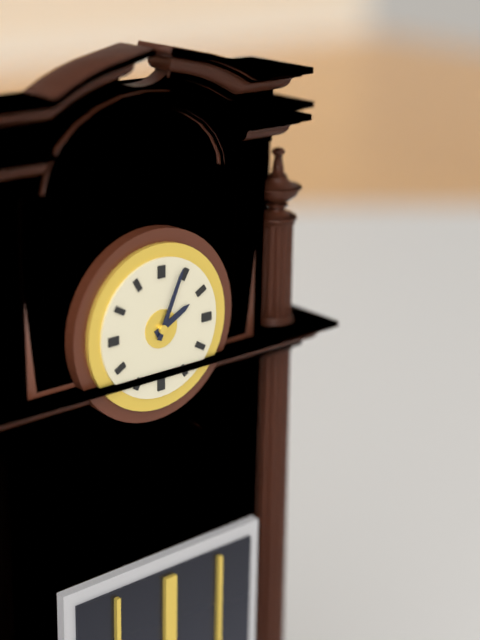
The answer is 2:04
